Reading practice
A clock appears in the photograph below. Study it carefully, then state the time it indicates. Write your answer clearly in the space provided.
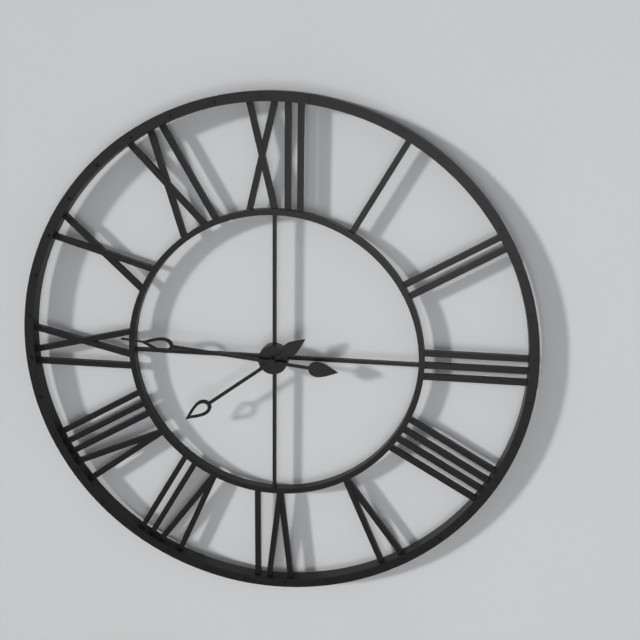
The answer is 7:46
